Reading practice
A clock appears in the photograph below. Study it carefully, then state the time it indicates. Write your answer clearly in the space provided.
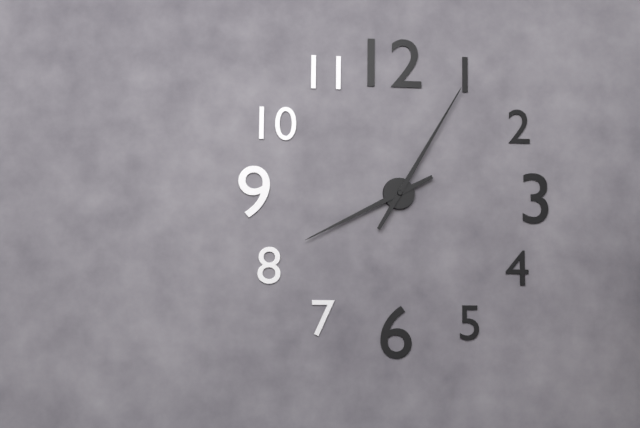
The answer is 8:05
